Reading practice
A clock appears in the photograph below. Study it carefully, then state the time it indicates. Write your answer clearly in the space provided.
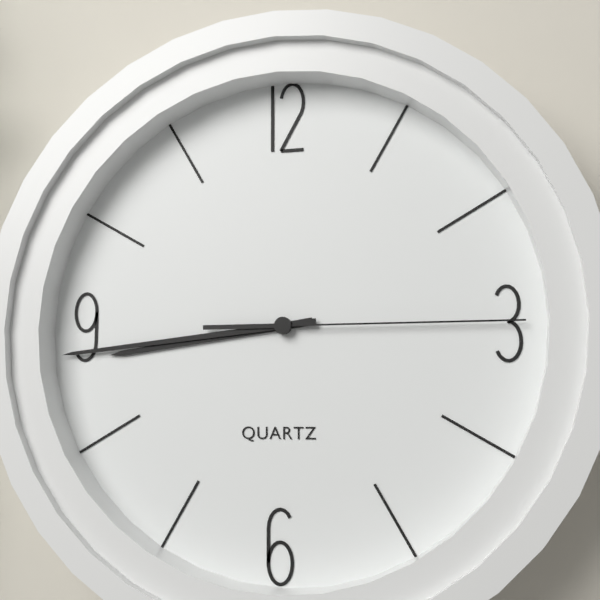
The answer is 8:44:15
